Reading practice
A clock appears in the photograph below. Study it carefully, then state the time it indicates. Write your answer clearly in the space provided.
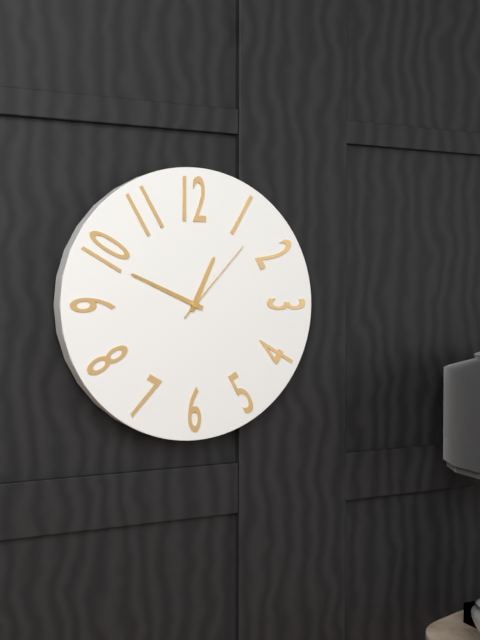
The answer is 12:49:07
